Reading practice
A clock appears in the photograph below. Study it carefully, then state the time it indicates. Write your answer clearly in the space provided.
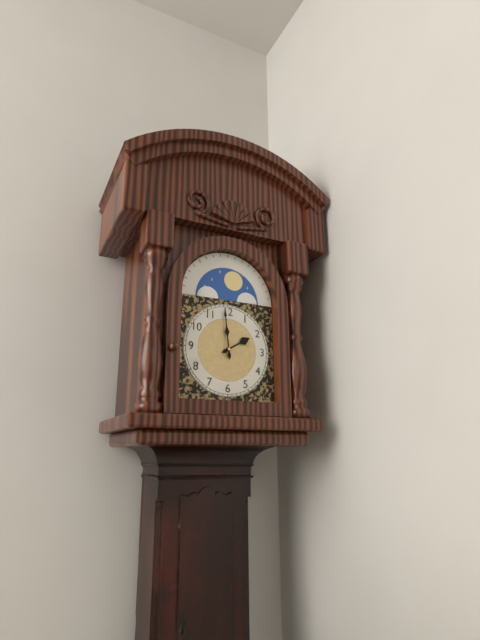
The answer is 1:59
